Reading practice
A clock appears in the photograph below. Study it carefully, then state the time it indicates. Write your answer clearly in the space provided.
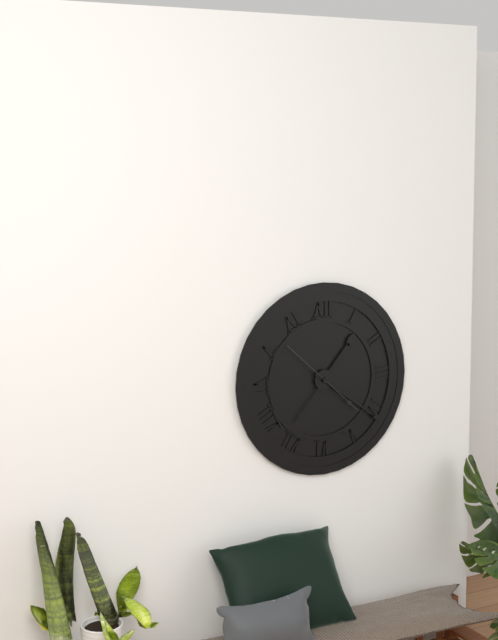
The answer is 1:21:52
